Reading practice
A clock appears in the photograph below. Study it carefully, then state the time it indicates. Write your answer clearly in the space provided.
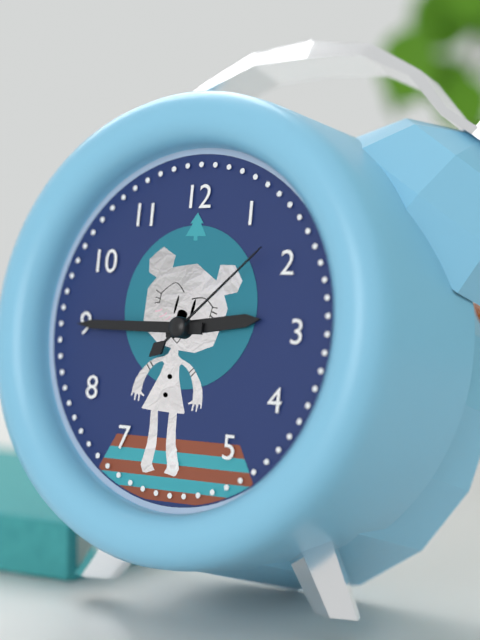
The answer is 2:45:08
